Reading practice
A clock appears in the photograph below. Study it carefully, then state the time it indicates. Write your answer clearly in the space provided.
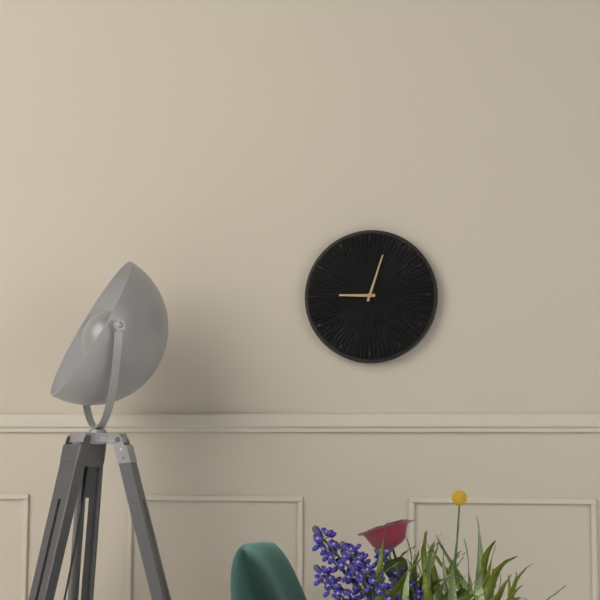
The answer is 9:03
